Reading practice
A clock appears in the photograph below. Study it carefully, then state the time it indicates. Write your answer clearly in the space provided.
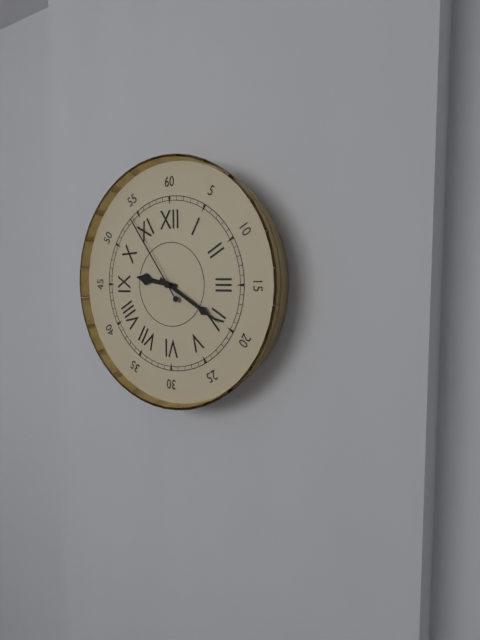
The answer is 9:20:54
